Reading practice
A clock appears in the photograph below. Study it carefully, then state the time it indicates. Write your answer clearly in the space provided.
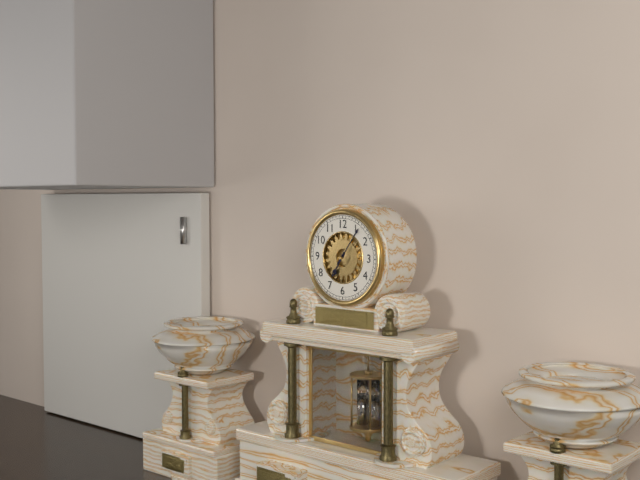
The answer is 7:06
